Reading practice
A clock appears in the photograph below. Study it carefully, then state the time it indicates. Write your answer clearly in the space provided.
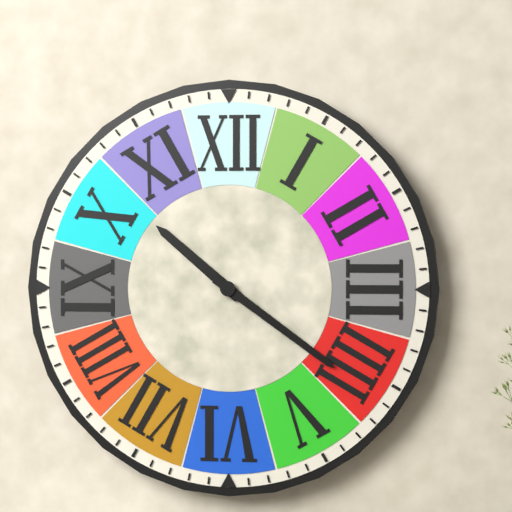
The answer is 10:21
